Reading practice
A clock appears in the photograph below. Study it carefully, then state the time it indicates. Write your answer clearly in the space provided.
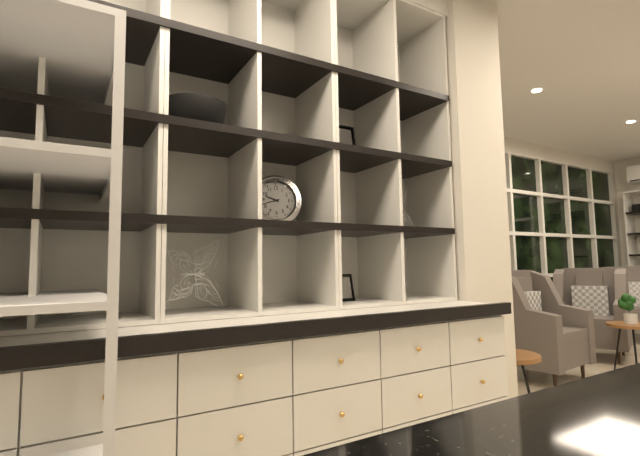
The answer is 9:42
